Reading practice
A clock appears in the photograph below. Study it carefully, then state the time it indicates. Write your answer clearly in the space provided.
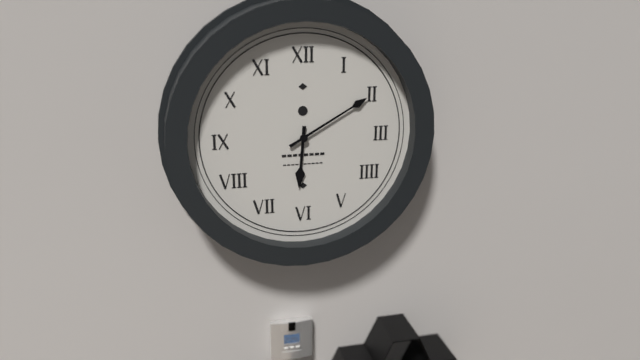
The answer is 6:10
